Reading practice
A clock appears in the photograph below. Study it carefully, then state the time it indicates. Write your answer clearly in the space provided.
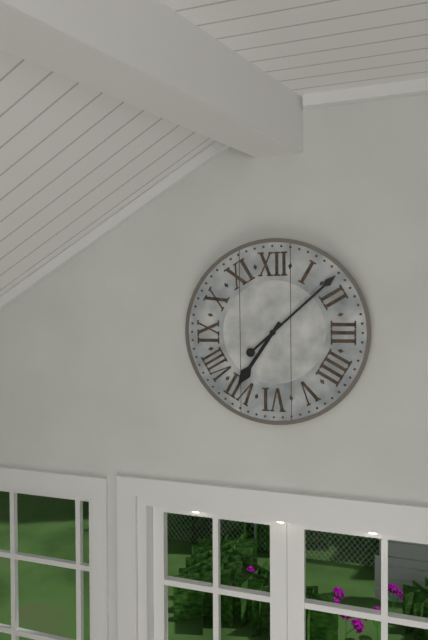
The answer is 7:08
